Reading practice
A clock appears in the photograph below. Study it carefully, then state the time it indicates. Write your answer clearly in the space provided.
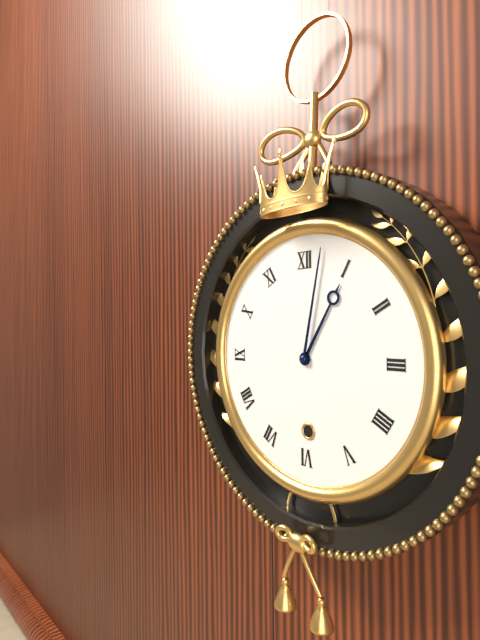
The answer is 1:02
